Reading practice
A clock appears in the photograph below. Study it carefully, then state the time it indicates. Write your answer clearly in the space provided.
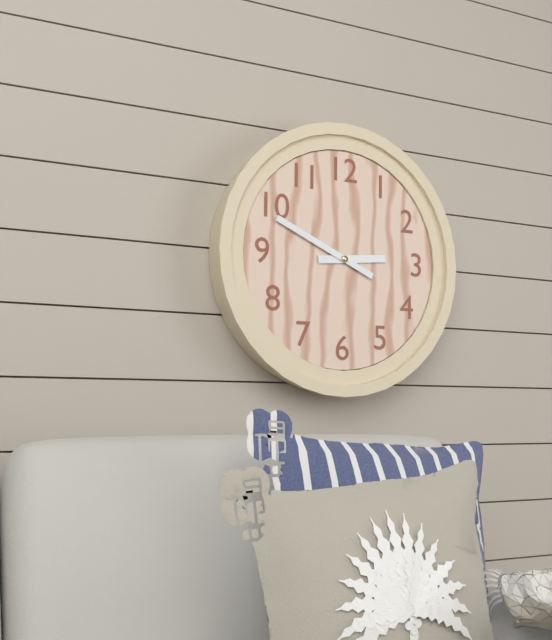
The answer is 2:49
